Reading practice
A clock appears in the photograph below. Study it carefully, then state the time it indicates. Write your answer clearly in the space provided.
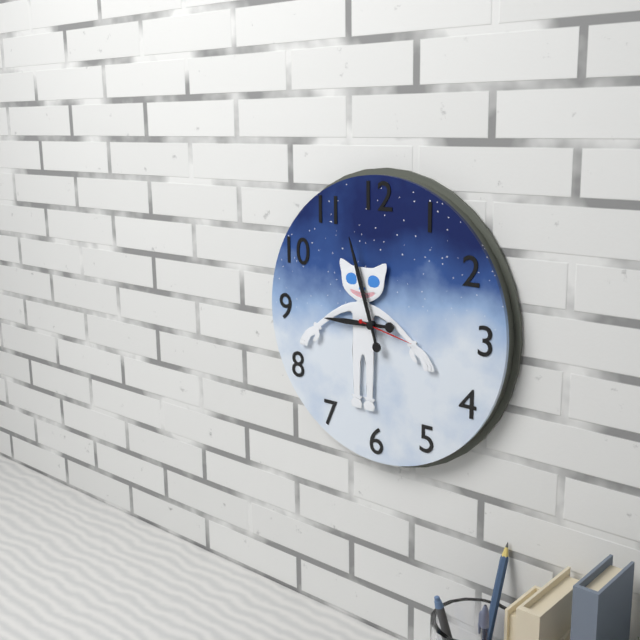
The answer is 8:57:17
